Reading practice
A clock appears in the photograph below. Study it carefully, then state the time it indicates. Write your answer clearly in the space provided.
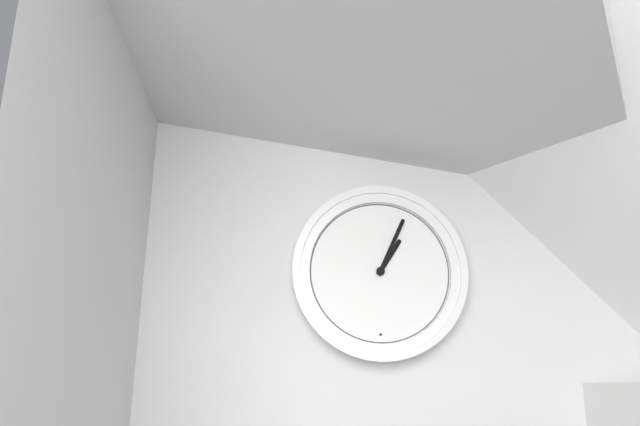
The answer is 1:04
